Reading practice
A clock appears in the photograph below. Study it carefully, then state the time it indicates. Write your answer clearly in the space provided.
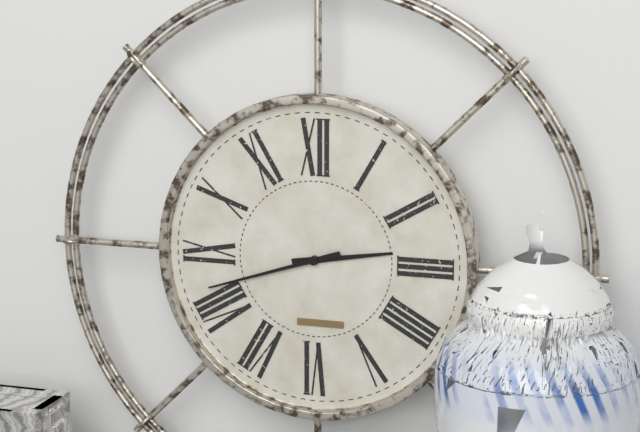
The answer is 2:42
